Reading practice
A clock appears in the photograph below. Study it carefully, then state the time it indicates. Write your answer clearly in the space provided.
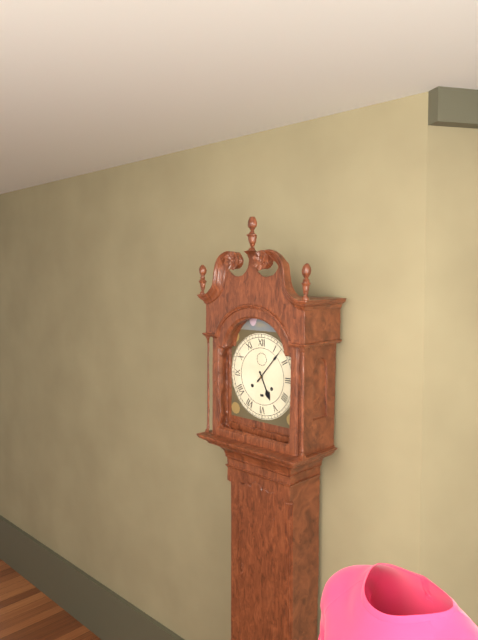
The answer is 5:07
